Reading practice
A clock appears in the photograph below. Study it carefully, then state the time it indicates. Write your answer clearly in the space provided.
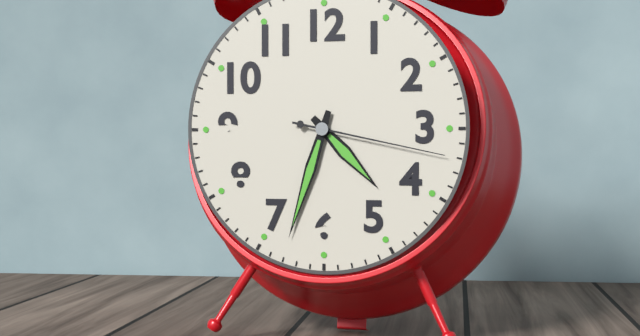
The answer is 4:33:17
